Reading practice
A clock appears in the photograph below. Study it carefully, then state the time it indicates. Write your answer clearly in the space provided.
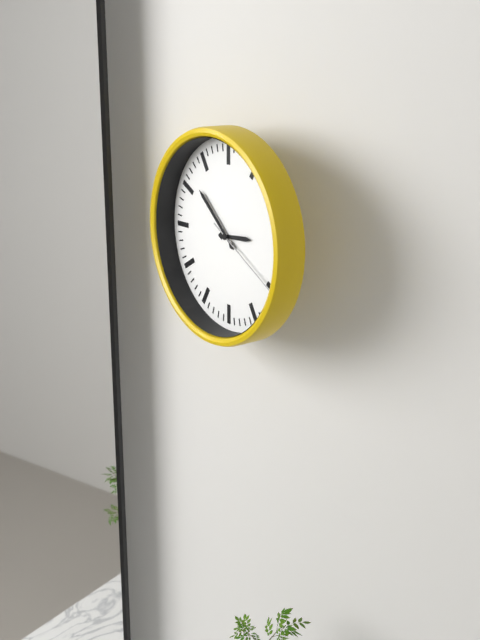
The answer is 2:52:20
